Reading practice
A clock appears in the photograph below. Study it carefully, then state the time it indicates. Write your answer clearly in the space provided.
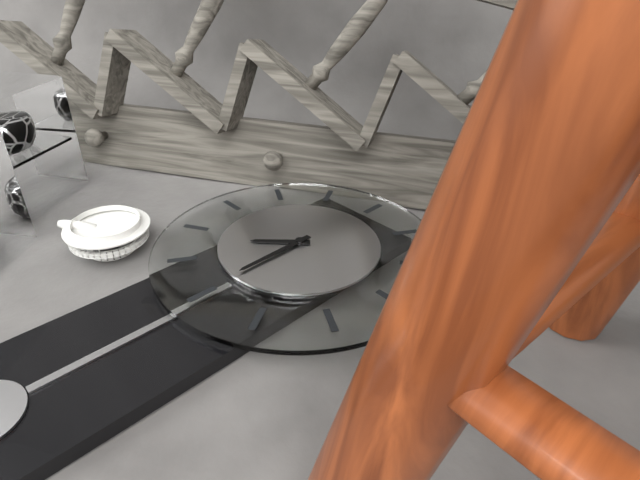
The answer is 7:30
